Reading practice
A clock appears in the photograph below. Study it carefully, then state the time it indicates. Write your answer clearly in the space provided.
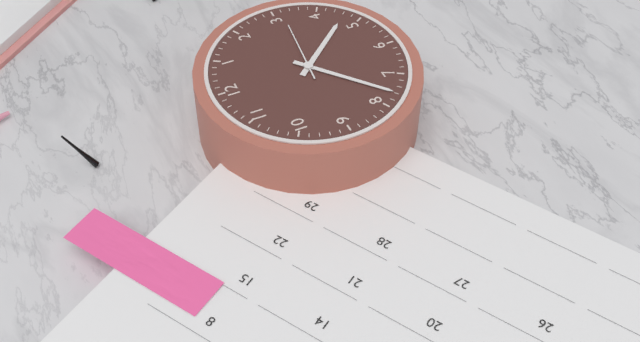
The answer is 4:38:16
